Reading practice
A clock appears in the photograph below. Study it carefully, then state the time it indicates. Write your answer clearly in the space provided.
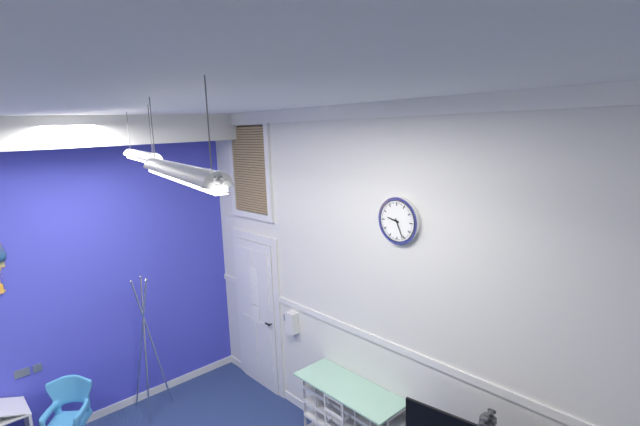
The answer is 9:26
